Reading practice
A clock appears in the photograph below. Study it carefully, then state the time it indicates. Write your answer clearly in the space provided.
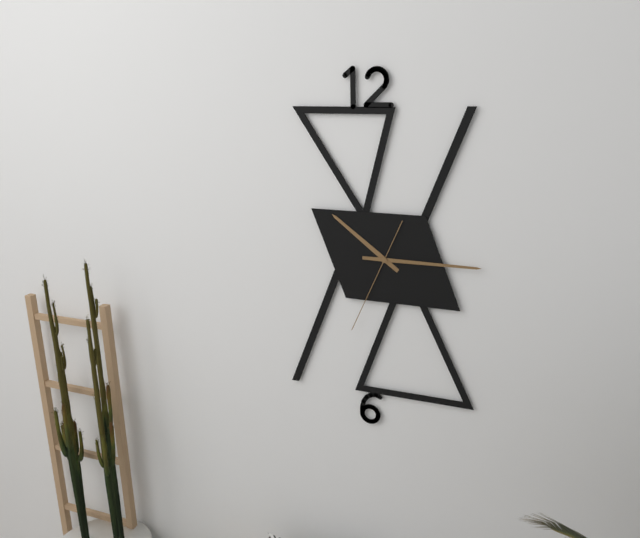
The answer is 10:15:34
